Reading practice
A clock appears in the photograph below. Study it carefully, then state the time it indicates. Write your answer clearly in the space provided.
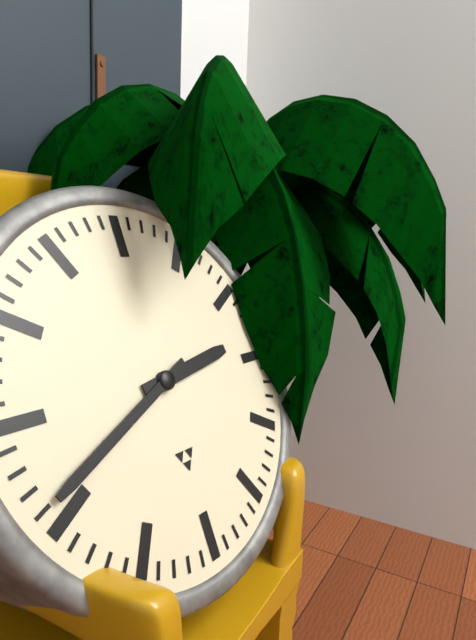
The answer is 2:41
